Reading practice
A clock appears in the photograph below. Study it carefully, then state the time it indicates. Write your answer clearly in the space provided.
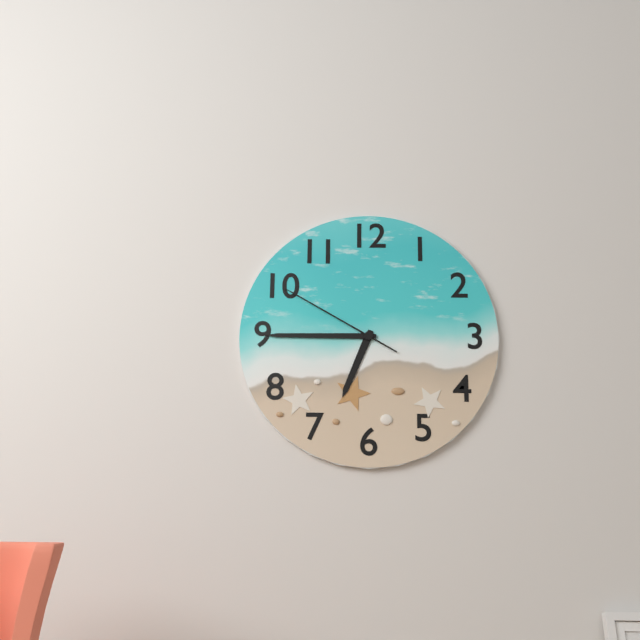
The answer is 6:45:50
